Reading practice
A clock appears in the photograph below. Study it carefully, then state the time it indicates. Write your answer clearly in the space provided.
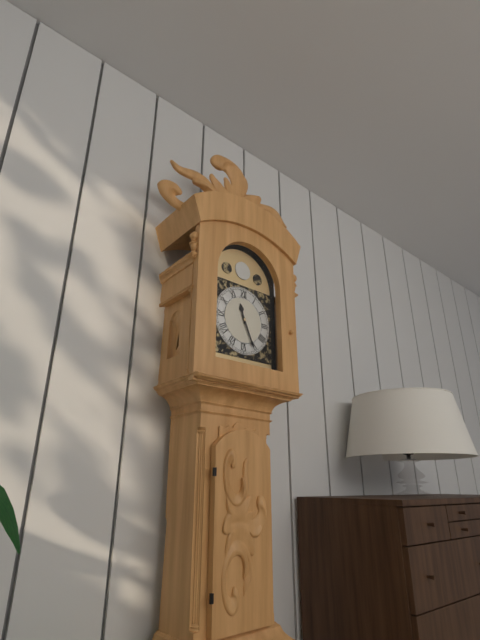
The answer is 11:26
